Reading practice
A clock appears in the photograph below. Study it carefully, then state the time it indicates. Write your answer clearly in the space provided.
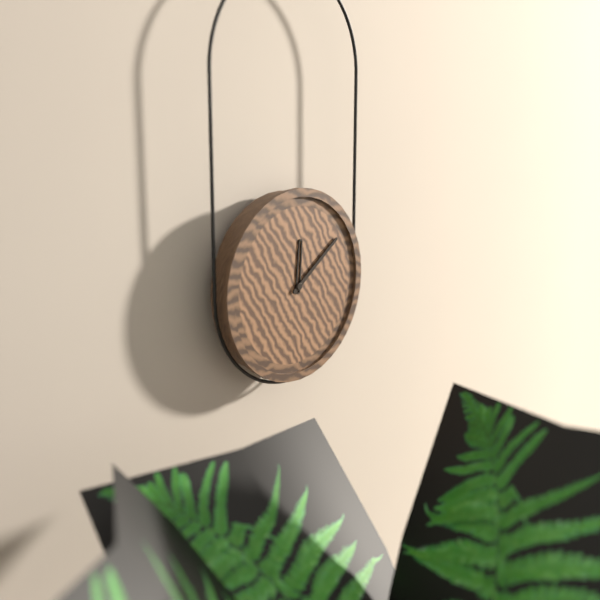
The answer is 12:09
